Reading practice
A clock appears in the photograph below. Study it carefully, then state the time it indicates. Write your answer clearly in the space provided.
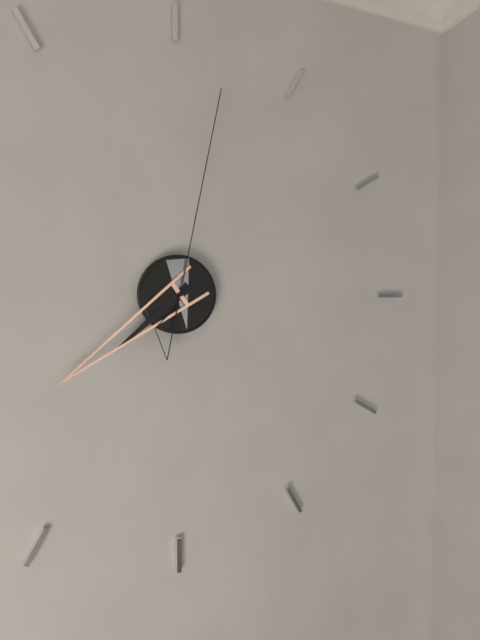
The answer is 7:39:02
